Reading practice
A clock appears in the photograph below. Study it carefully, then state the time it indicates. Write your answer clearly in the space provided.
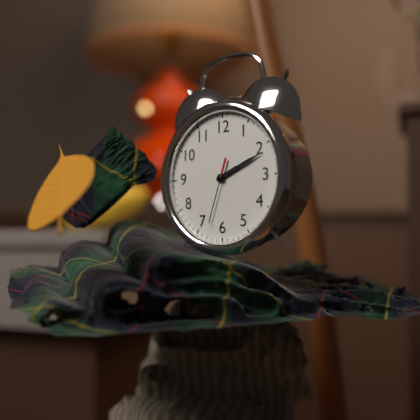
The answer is 2:11:33
